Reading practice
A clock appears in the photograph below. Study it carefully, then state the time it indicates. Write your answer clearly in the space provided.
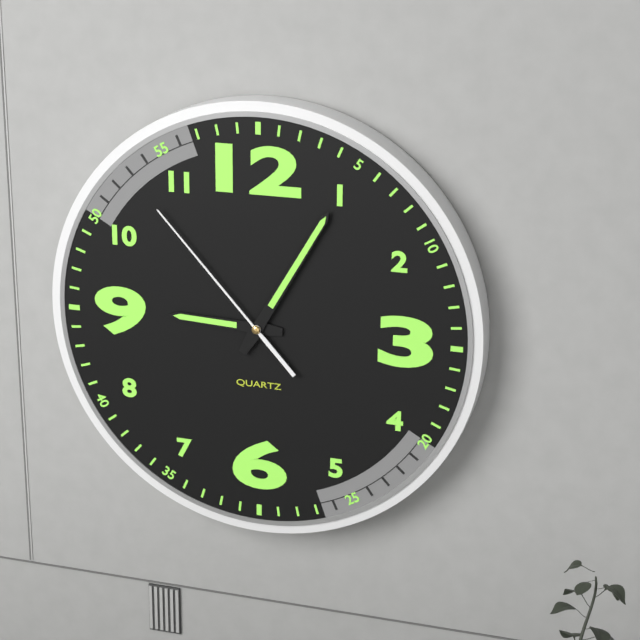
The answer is 9:05:53
